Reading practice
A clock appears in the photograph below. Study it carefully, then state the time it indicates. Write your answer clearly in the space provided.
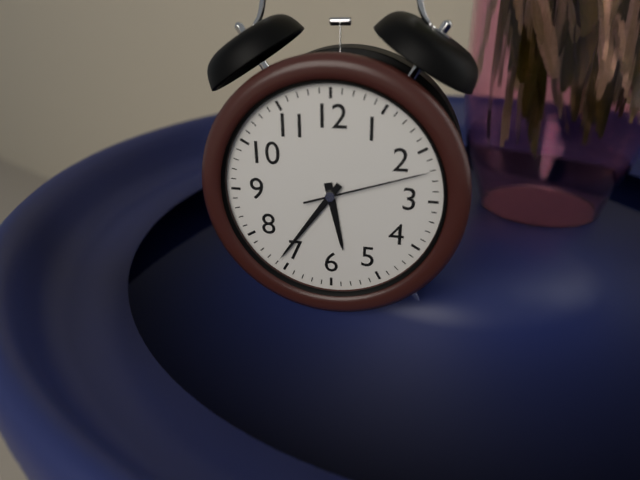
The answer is 5:36:12
